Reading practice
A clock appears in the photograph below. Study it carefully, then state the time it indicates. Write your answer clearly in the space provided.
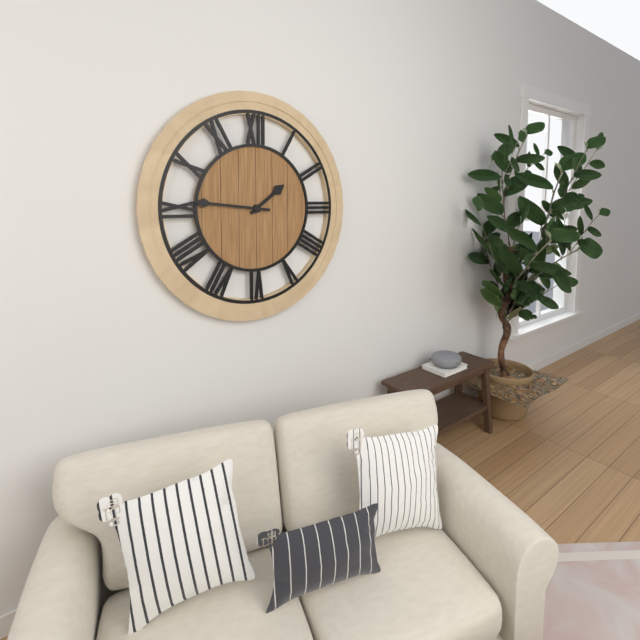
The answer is 1:46
